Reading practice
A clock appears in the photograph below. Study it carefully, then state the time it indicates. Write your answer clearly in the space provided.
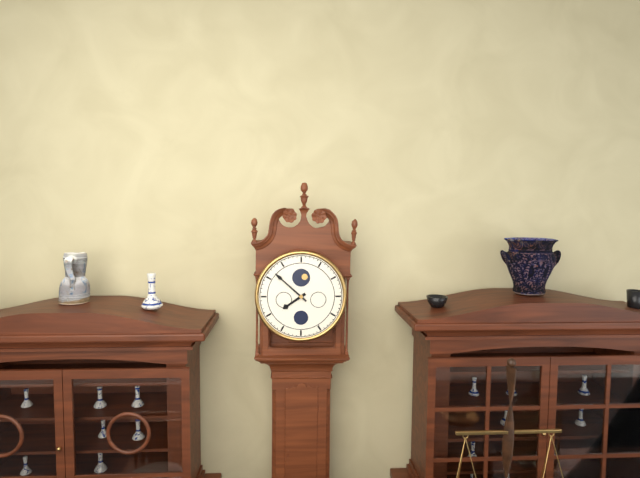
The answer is 7:52
